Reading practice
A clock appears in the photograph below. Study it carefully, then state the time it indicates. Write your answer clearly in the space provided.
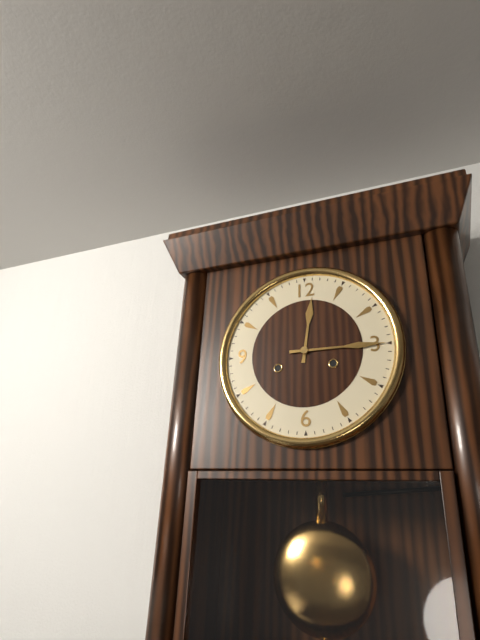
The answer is 12:15
